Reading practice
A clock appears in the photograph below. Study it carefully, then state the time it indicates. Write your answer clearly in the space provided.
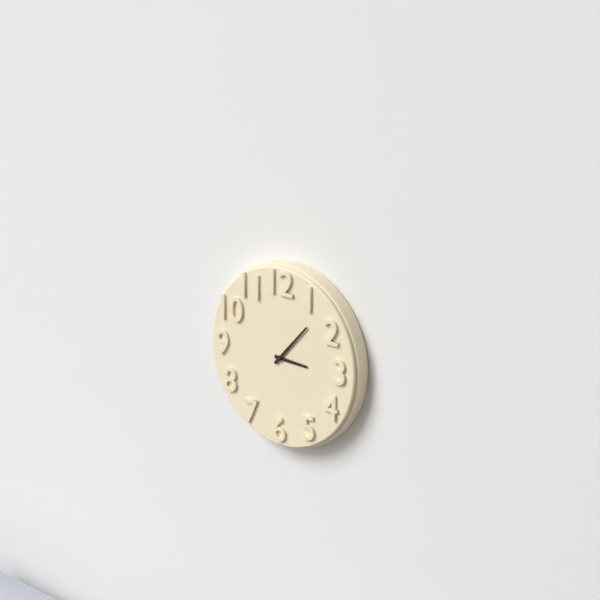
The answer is 3:07
